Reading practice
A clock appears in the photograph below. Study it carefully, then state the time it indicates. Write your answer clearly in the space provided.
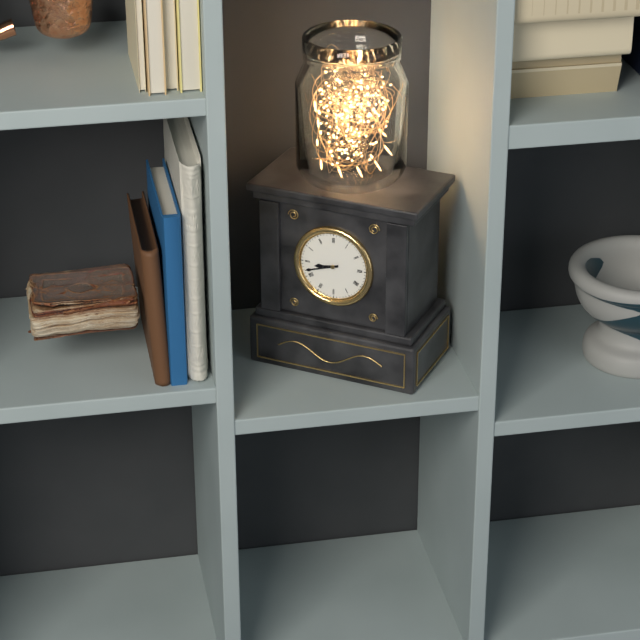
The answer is 8:42
